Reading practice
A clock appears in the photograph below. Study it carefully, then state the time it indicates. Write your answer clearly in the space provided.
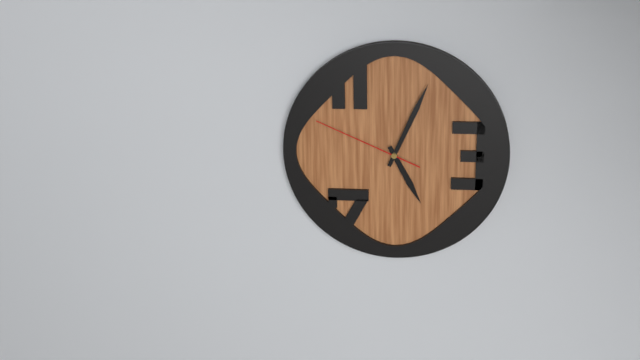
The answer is 5:04:49
